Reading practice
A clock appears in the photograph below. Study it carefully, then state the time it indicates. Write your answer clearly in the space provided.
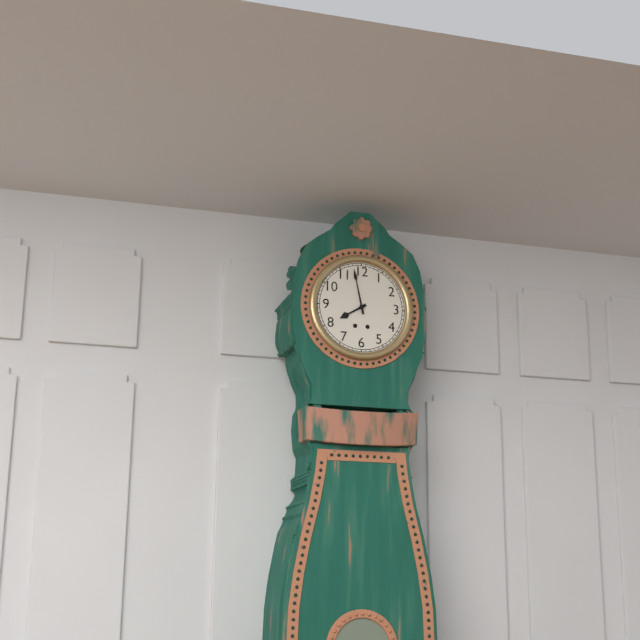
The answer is 7:58
